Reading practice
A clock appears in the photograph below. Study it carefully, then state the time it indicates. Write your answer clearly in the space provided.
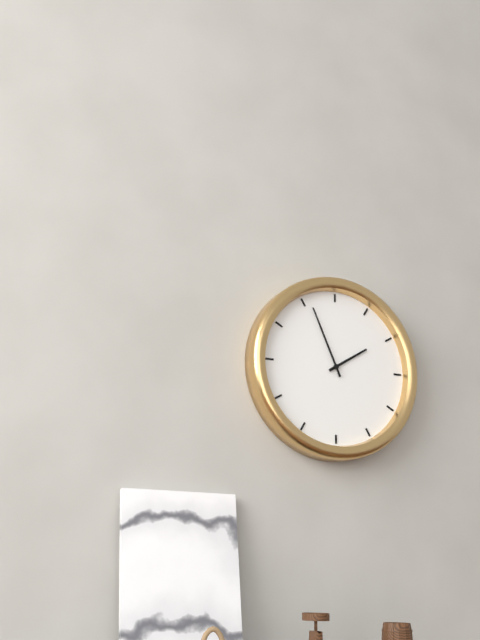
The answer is 1:56
